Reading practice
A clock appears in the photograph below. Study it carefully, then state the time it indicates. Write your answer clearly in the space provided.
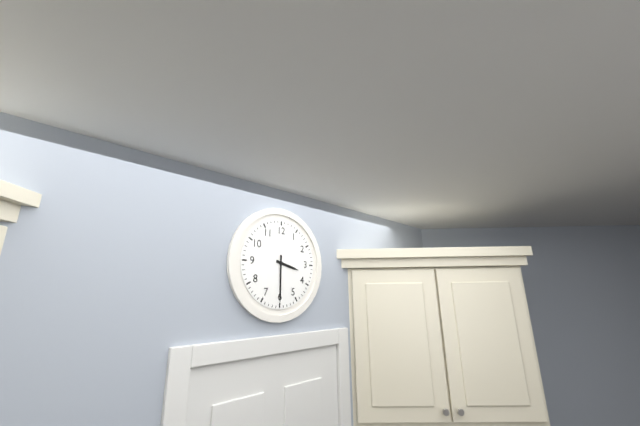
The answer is 3:30
